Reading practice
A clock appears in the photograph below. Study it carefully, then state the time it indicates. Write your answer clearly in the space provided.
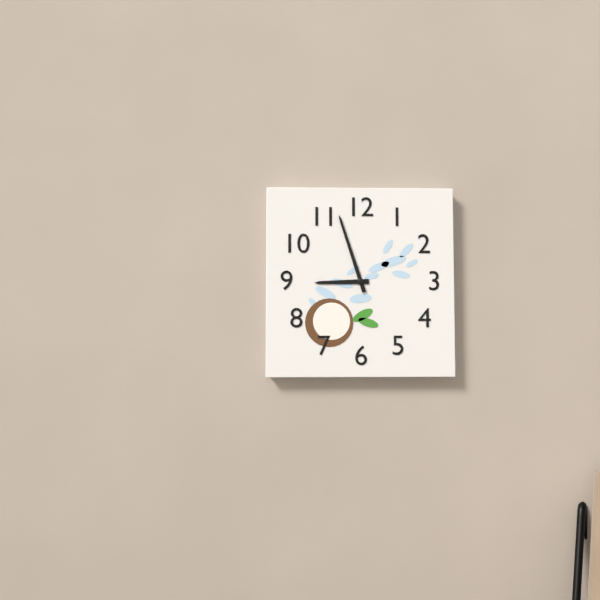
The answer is 8:57
